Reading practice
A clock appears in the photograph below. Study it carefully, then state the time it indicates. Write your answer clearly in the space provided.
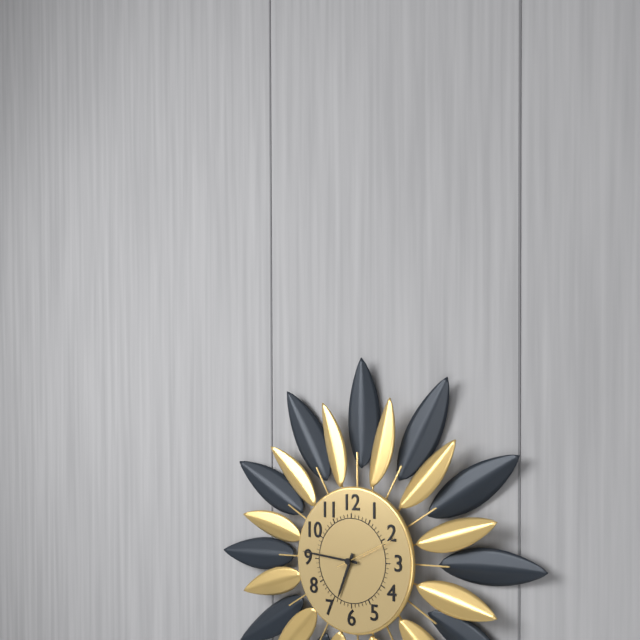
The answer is 6:46:11
